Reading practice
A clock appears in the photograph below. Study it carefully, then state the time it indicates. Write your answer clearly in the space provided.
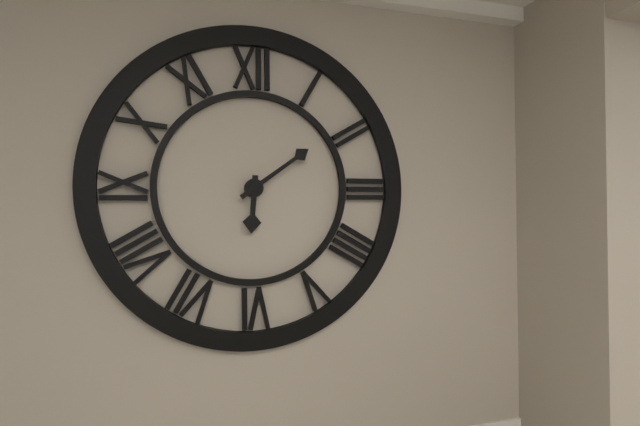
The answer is 6:09
